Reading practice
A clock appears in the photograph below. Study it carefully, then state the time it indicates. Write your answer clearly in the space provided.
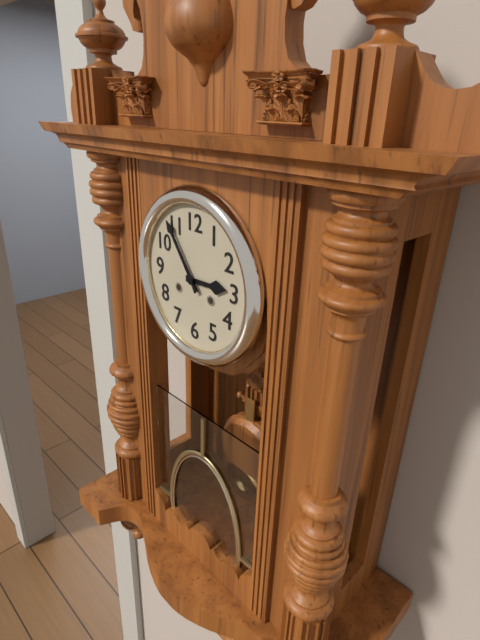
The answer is 2:54
